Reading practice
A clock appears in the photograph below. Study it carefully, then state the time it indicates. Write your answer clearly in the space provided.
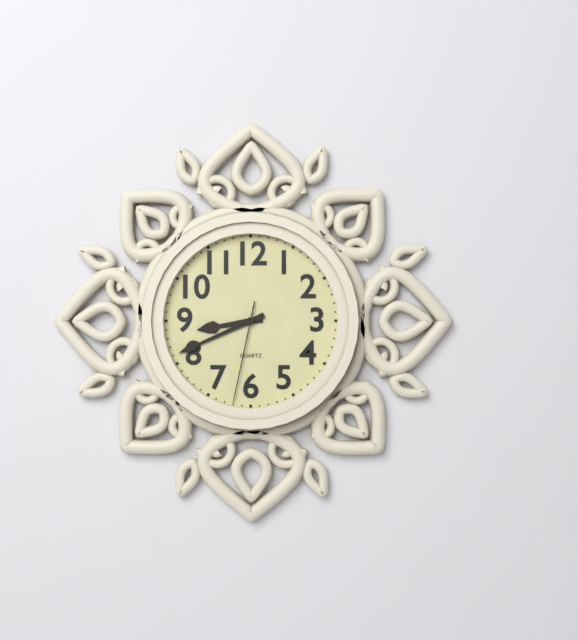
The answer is 8:41:32
